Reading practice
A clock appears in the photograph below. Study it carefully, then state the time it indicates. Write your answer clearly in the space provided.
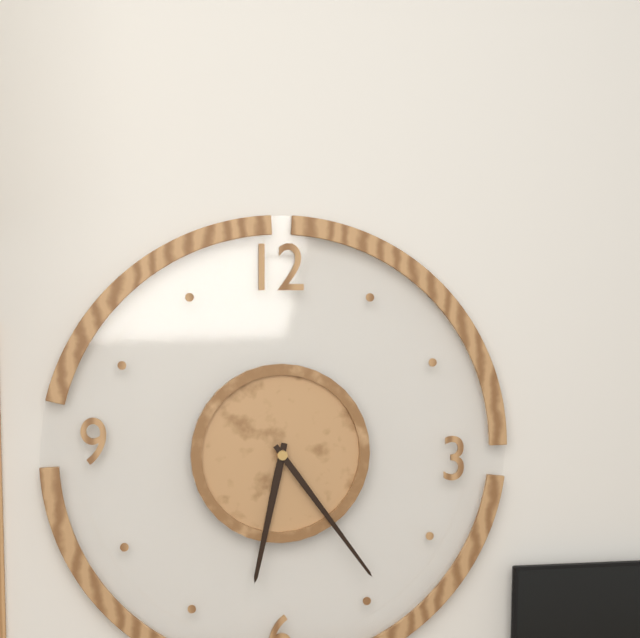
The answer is 6:24
